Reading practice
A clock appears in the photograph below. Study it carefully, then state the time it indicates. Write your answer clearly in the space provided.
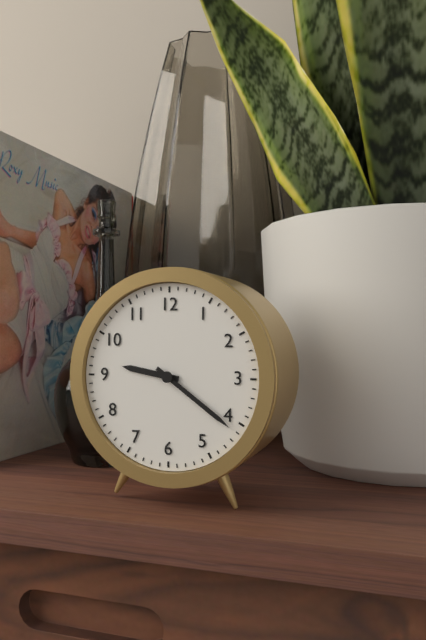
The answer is 9:21
